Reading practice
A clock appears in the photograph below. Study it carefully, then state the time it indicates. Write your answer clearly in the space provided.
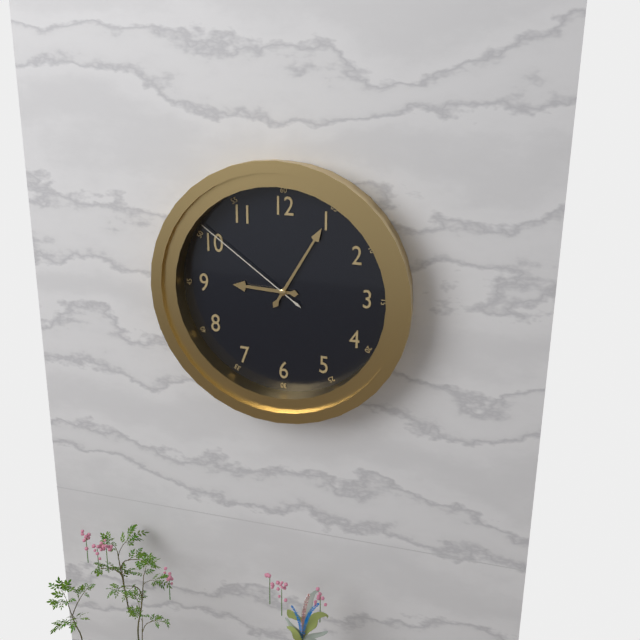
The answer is 9:05:51
